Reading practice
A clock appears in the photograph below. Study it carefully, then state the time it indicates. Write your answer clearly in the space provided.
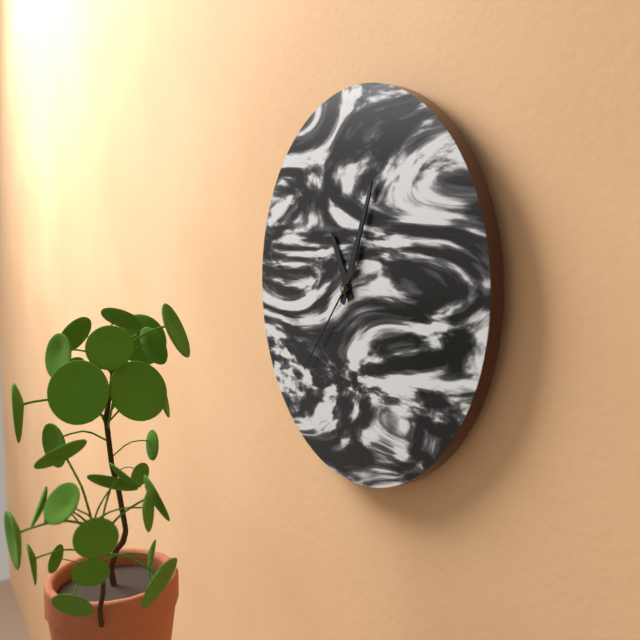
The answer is 11:04:37
